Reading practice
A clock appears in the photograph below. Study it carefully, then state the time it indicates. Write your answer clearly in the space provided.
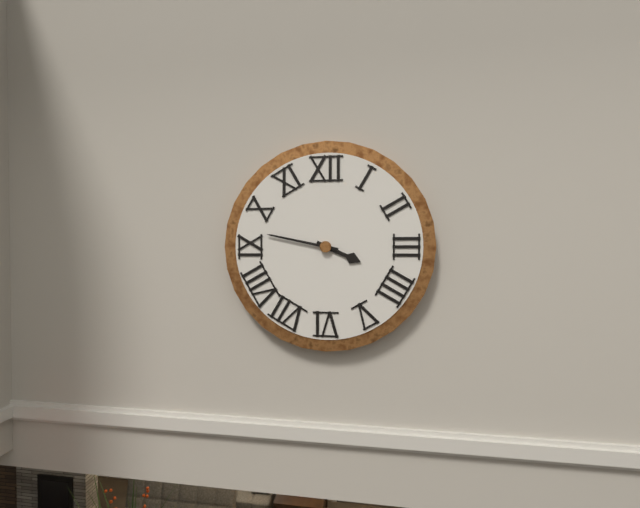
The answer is 3:47
